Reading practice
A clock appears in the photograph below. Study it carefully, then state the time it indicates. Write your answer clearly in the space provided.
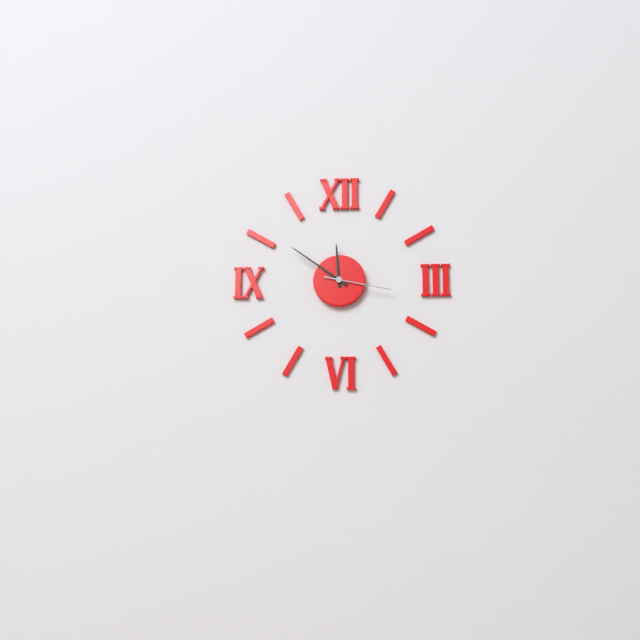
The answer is 11:51:17
